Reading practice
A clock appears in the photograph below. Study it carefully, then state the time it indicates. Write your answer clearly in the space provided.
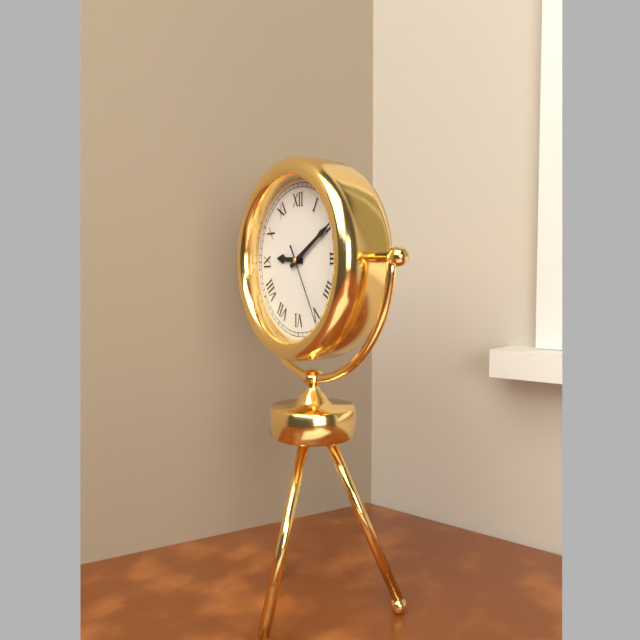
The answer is 9:10:25
